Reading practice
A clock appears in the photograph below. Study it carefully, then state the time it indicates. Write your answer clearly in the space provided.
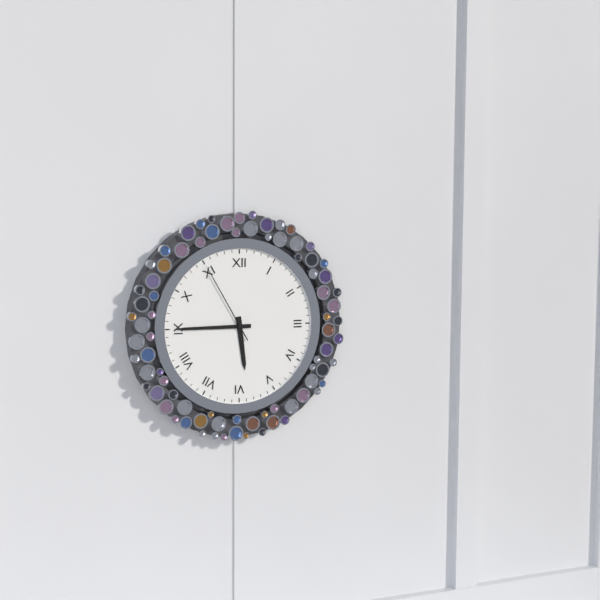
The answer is 5:45:55
